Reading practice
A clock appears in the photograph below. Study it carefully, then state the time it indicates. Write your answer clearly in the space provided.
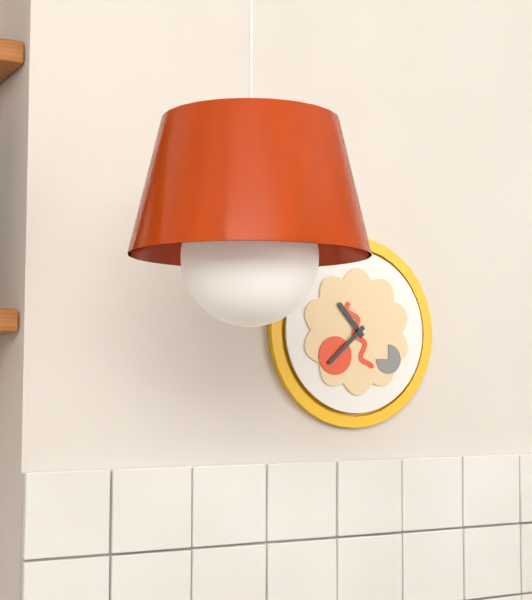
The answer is 10:38
